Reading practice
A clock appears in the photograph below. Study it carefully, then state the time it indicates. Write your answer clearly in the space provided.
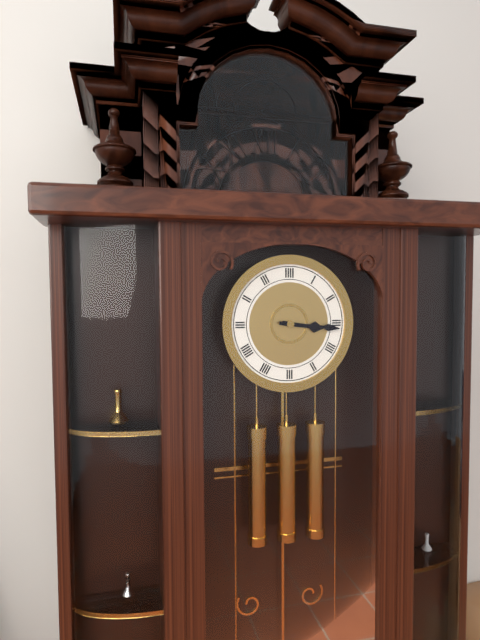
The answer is 3:16
